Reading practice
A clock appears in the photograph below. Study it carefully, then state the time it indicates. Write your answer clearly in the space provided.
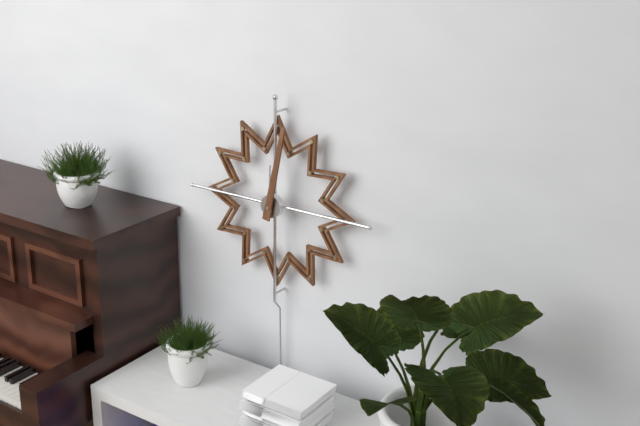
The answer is 12:02
